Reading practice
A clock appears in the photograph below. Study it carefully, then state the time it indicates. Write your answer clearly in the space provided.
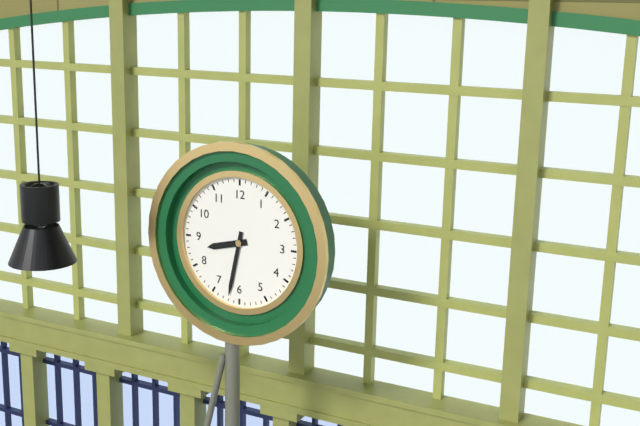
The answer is 8:32
